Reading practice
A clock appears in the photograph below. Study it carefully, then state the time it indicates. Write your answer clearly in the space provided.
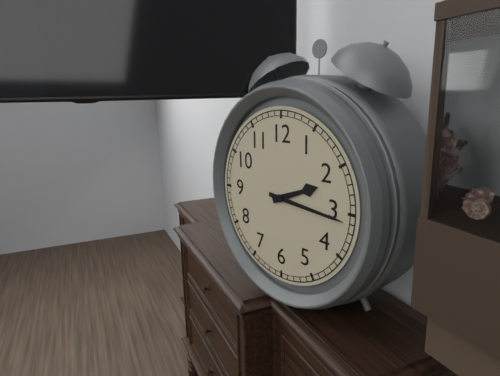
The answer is 2:16
